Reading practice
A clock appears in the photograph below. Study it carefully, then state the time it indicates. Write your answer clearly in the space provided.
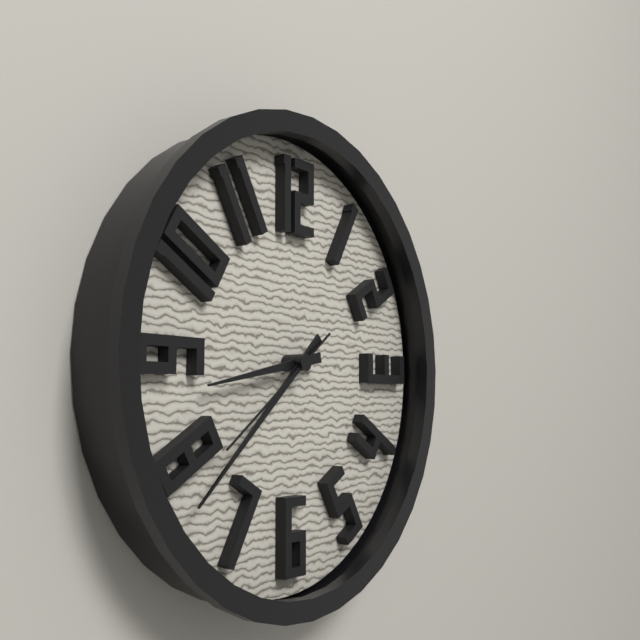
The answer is 8:38:39
